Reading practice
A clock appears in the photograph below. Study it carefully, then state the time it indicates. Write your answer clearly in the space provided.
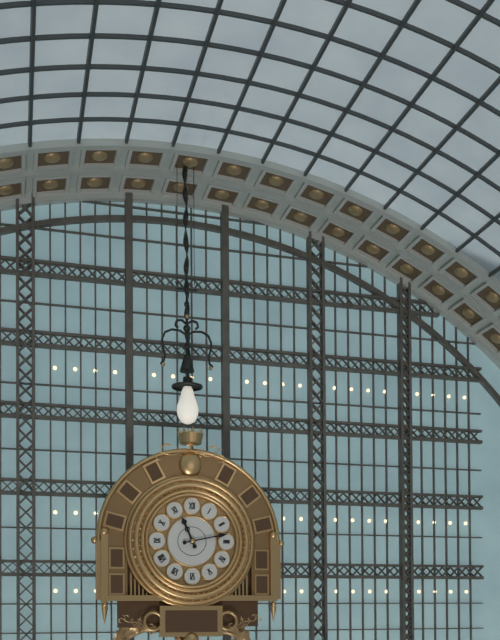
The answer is 11:13
